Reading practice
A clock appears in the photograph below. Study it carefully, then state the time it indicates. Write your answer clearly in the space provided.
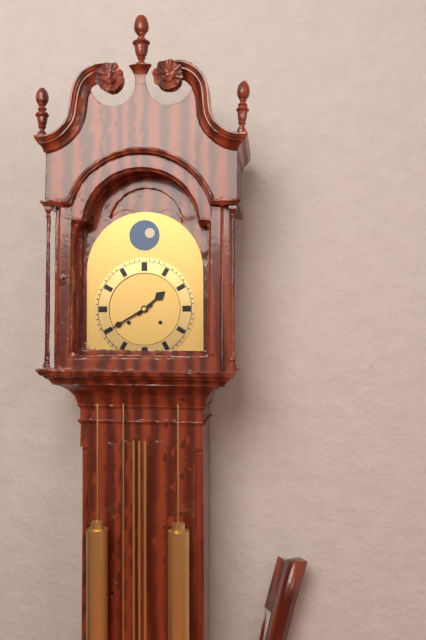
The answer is 1:40
